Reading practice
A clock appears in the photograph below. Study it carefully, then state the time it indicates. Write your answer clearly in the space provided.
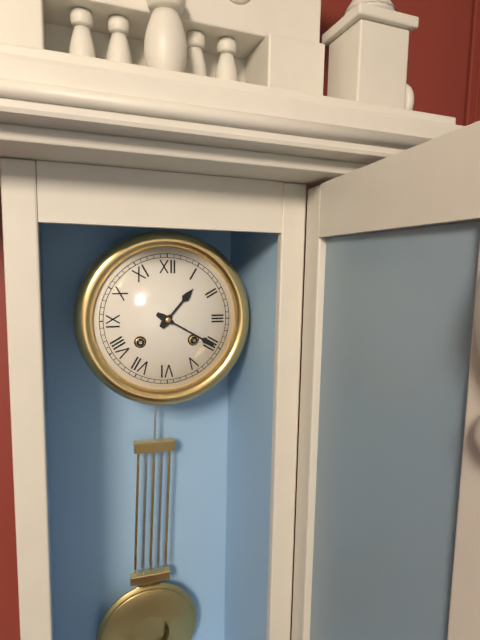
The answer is 1:20
